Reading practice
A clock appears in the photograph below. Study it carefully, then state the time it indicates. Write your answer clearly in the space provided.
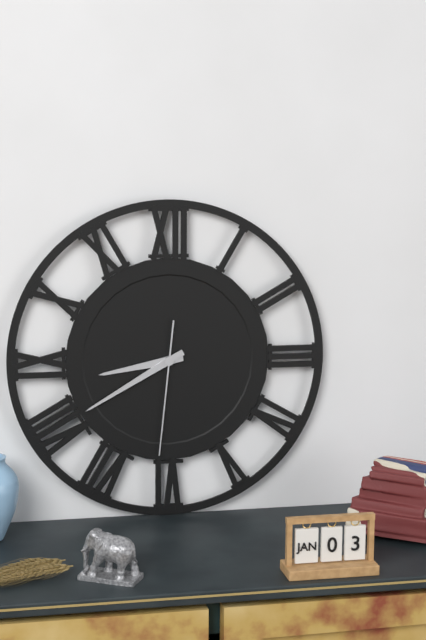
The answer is 8:40:31
